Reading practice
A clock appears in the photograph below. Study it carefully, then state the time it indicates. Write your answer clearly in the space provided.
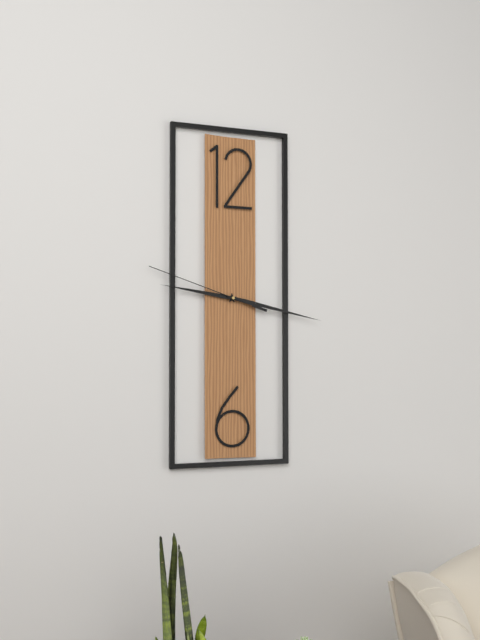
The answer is 9:17:48
